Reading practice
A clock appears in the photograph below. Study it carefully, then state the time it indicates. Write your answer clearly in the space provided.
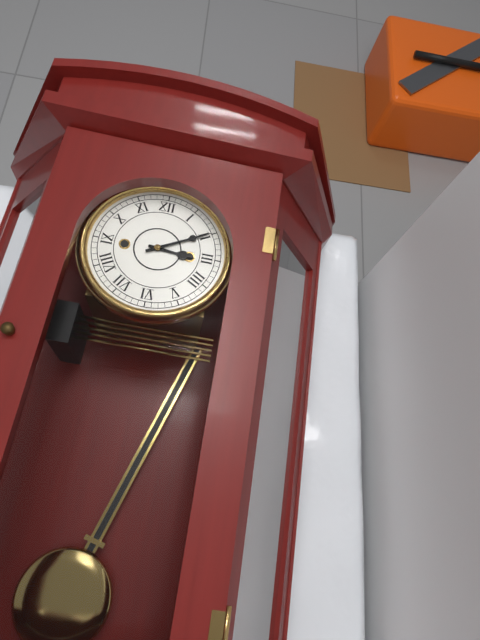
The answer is 3:10
